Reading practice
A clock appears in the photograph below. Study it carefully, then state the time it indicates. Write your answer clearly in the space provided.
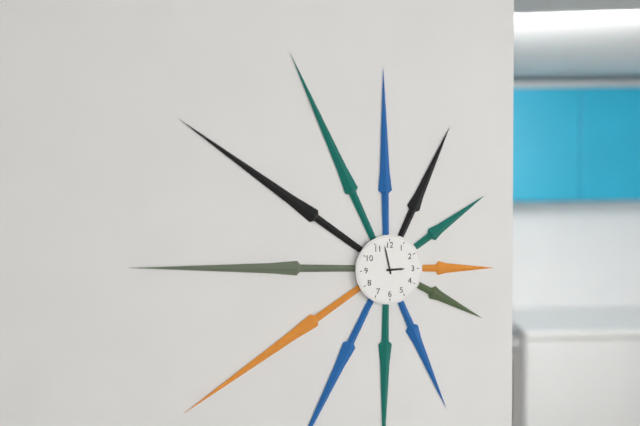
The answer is 2:58
